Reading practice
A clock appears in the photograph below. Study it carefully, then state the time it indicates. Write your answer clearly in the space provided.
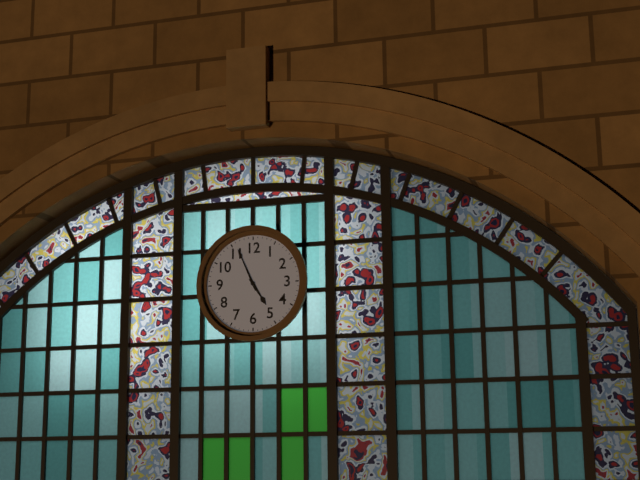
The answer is 4:56
